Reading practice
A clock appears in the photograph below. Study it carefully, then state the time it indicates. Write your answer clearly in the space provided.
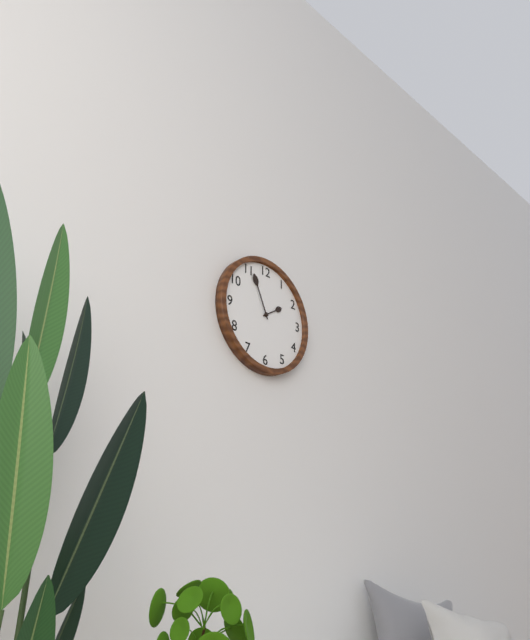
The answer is 1:56
